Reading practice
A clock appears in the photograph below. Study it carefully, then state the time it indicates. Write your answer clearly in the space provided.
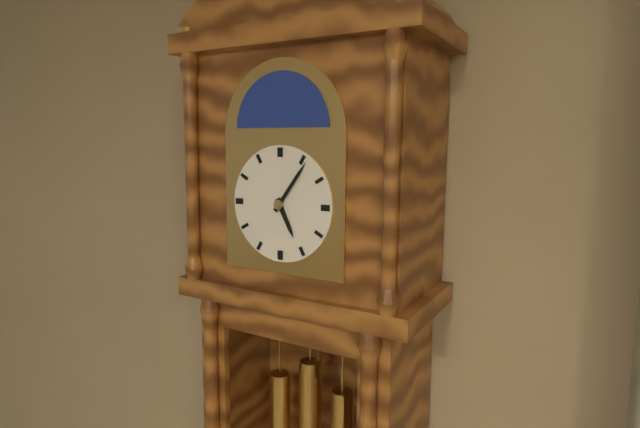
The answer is 5:06
